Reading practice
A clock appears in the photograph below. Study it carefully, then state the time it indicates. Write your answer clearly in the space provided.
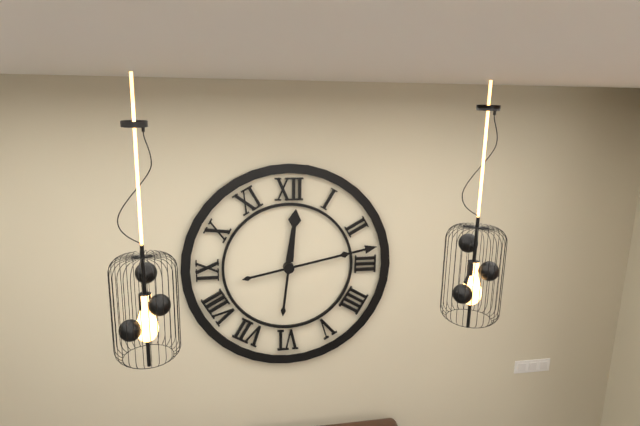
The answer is 12:13
